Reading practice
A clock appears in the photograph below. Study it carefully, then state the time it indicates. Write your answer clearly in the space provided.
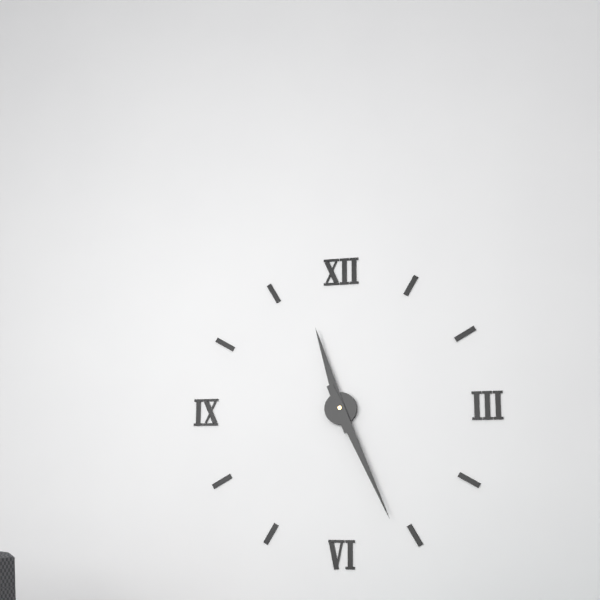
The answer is 11:26
